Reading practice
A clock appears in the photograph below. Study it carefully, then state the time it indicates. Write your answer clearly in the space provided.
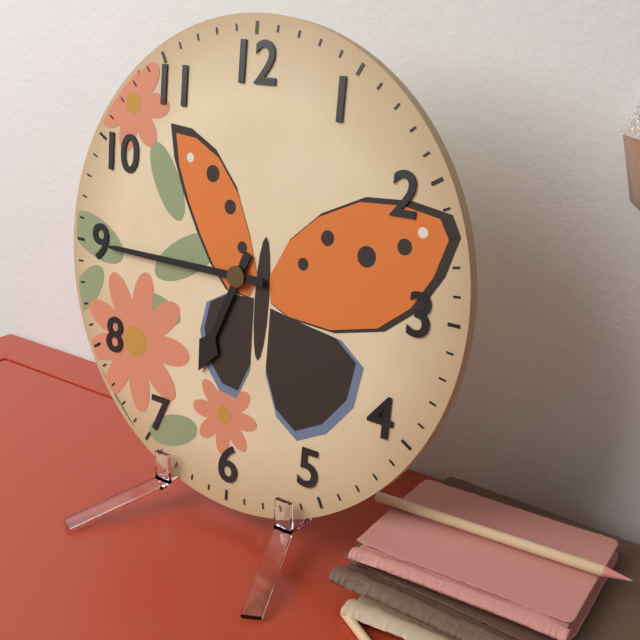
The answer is 6:45
